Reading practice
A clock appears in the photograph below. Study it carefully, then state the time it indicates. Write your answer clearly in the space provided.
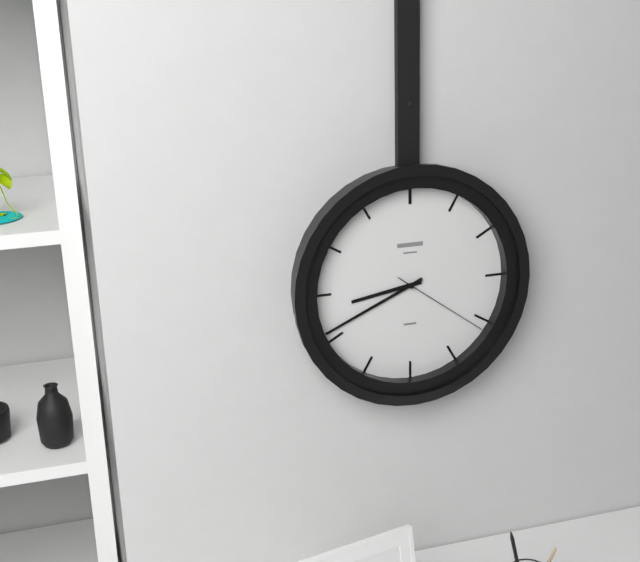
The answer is 8:41:21
